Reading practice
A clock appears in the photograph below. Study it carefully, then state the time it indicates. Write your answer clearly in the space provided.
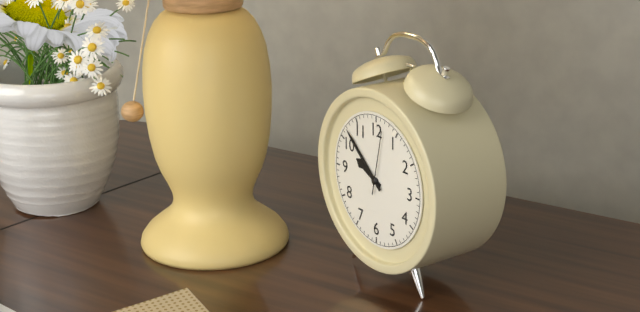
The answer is 9:52:02
